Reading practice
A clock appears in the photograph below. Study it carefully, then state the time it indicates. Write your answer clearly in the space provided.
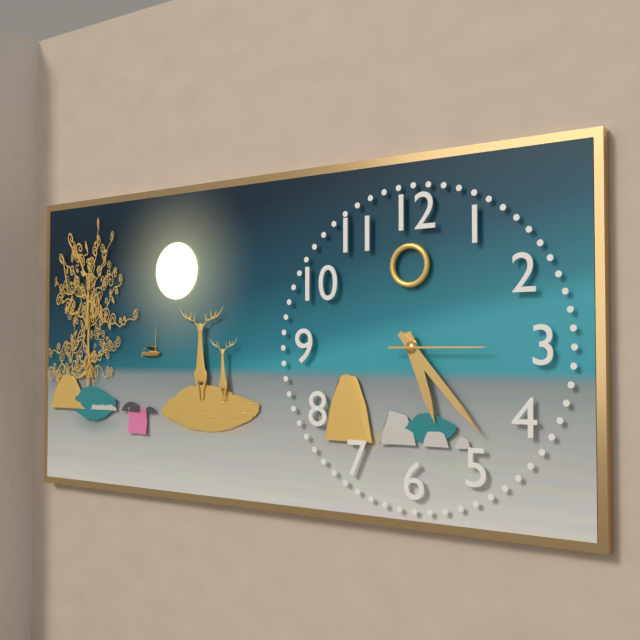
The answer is 5:23:15
